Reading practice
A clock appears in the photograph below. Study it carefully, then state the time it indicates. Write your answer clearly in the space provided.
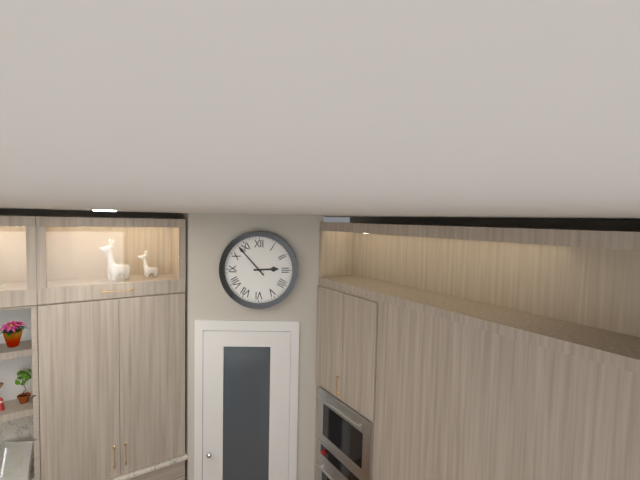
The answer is 2:53
